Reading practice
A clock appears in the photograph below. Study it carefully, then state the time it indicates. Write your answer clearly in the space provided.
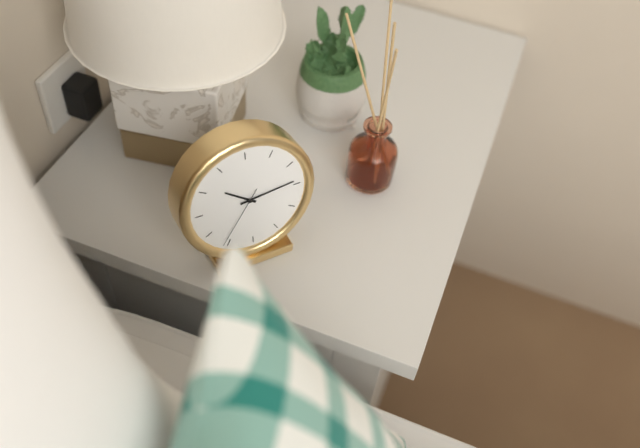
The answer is 10:14:36
